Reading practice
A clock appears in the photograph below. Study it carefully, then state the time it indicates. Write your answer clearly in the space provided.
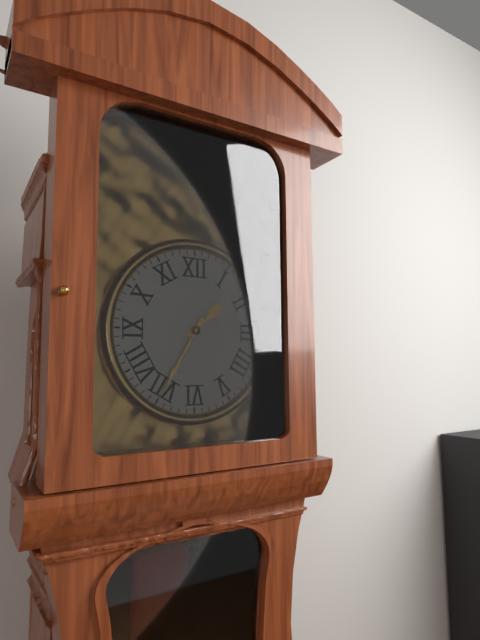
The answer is 1:35
